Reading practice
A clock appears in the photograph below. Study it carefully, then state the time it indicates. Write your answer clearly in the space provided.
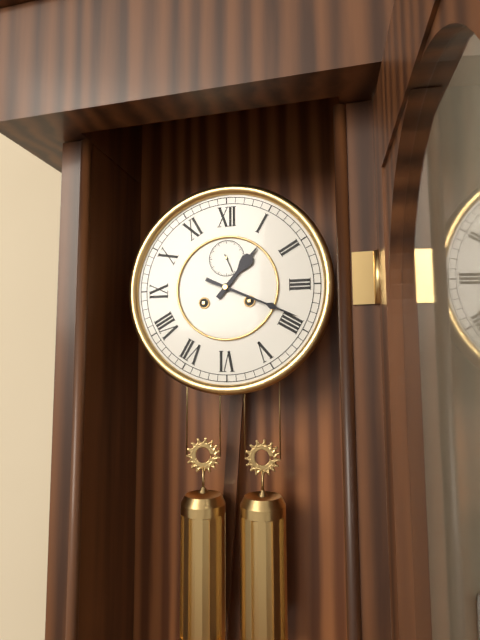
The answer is 1:19
